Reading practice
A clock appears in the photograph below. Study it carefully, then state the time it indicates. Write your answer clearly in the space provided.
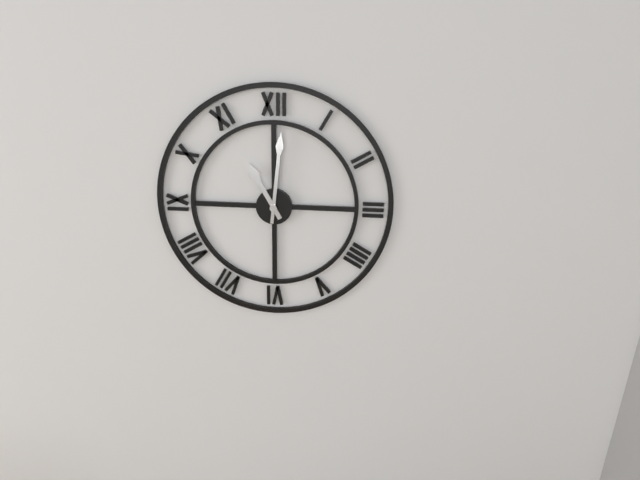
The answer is 11:01
